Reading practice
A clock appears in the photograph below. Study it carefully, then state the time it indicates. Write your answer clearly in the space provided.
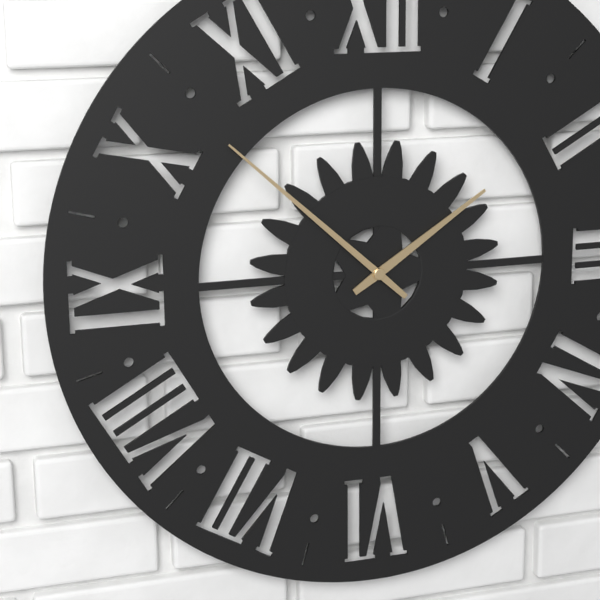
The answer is 1:52
